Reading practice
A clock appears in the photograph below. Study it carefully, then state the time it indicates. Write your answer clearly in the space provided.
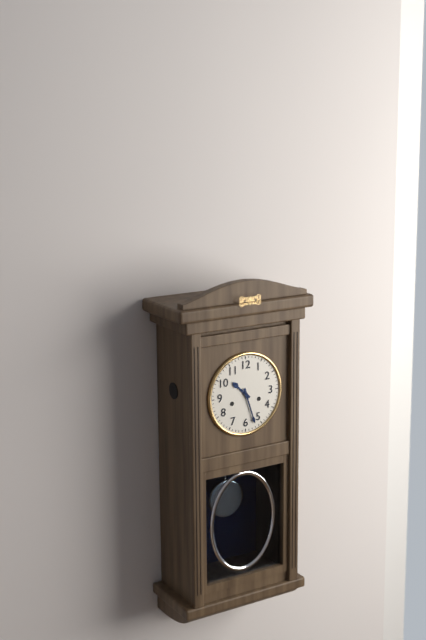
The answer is 10:27
